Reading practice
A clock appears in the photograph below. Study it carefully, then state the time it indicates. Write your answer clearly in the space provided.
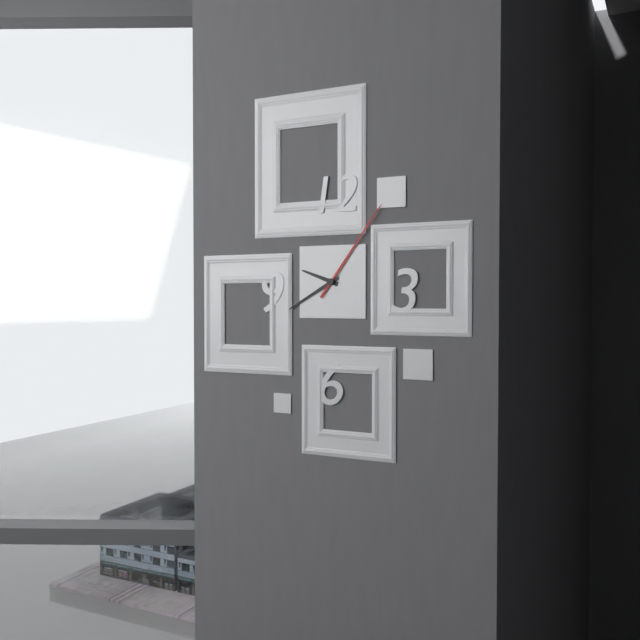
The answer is 9:40:06
